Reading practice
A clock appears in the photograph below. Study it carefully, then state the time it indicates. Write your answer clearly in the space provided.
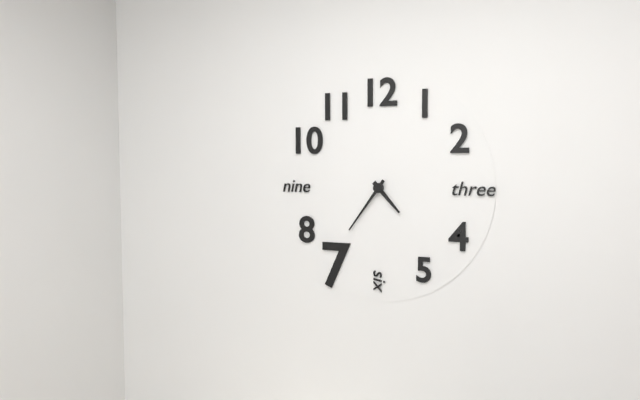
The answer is 4:36
